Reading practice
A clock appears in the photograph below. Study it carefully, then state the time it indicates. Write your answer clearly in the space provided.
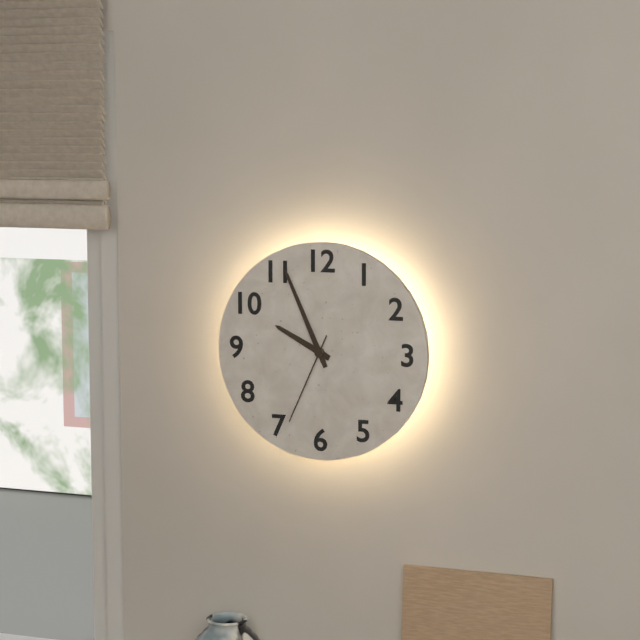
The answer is 9:56:34
